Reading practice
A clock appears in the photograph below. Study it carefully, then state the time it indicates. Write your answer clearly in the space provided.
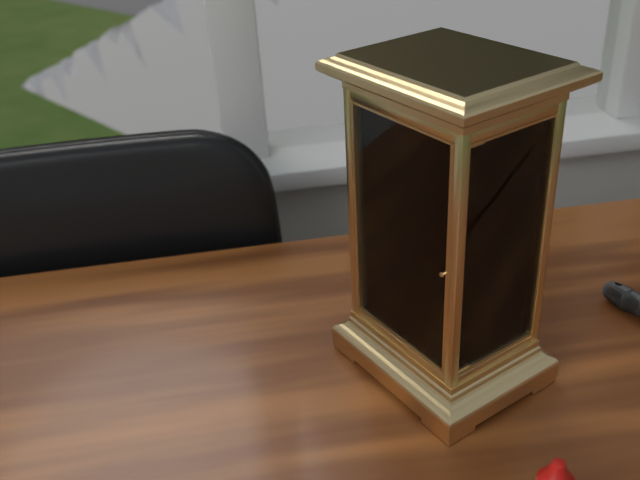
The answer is 4:59
